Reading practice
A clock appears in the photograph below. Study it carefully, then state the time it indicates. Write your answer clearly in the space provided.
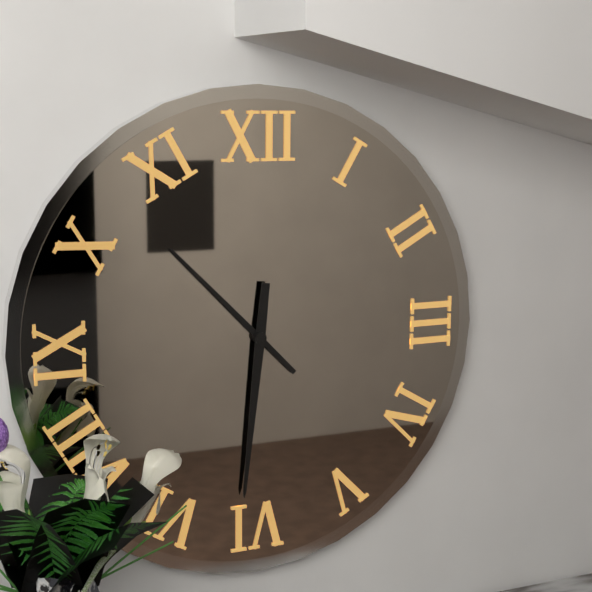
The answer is 10:31
